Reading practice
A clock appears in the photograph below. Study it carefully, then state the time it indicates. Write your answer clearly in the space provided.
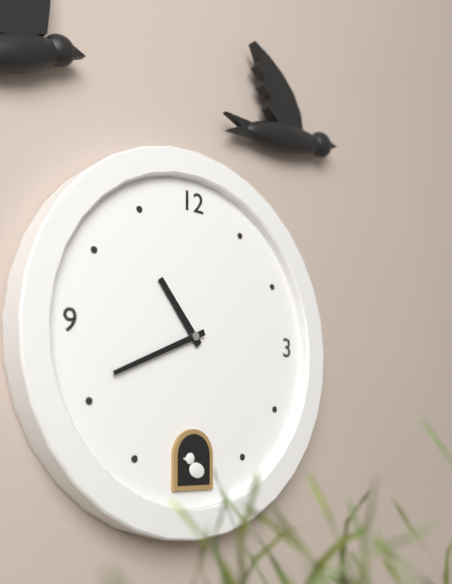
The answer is 10:41
